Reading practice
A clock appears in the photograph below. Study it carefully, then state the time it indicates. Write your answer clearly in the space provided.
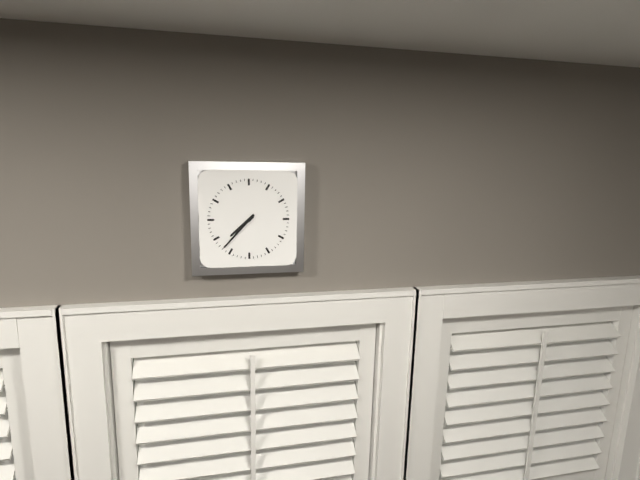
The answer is 7:37
